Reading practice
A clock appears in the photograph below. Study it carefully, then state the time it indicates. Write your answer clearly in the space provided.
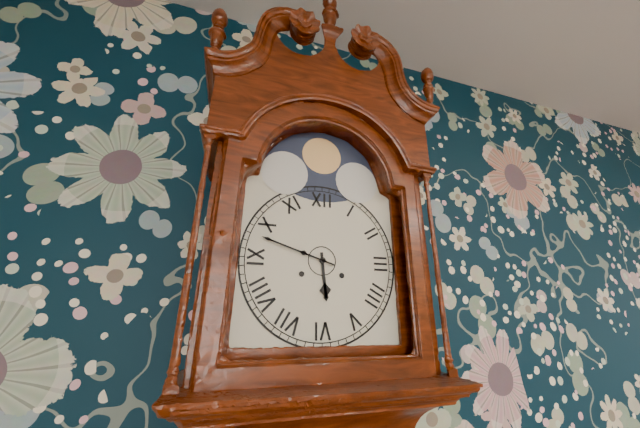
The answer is 5:48
